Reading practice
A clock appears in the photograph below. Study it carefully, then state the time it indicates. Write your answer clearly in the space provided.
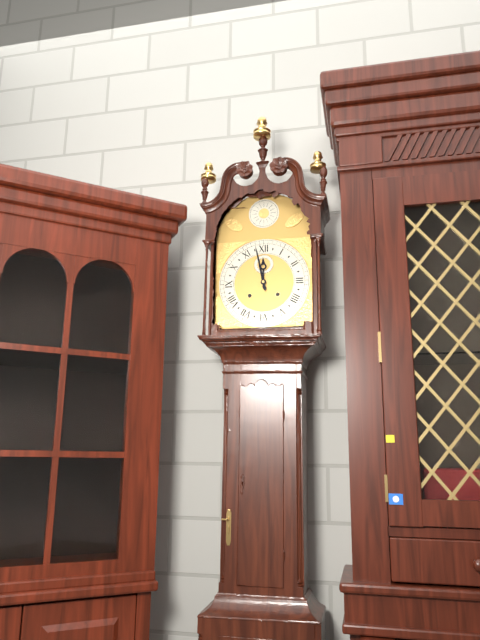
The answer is 11:58
